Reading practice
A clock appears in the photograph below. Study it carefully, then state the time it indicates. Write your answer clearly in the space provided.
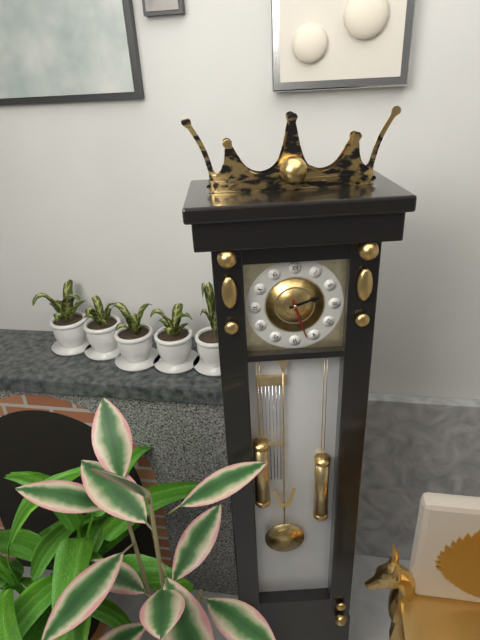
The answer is 2:27
